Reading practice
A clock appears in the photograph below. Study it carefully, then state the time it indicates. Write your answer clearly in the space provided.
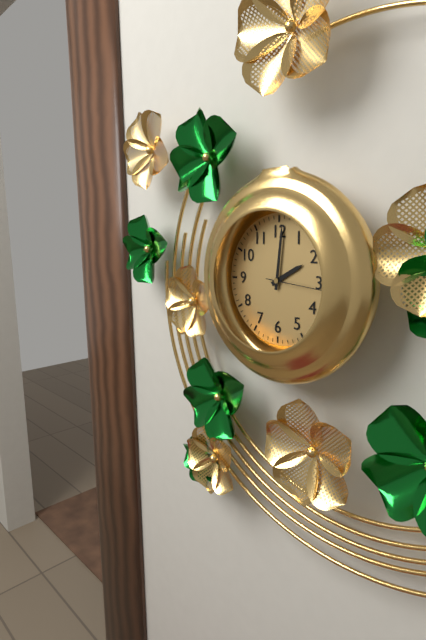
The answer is 2:01:16
